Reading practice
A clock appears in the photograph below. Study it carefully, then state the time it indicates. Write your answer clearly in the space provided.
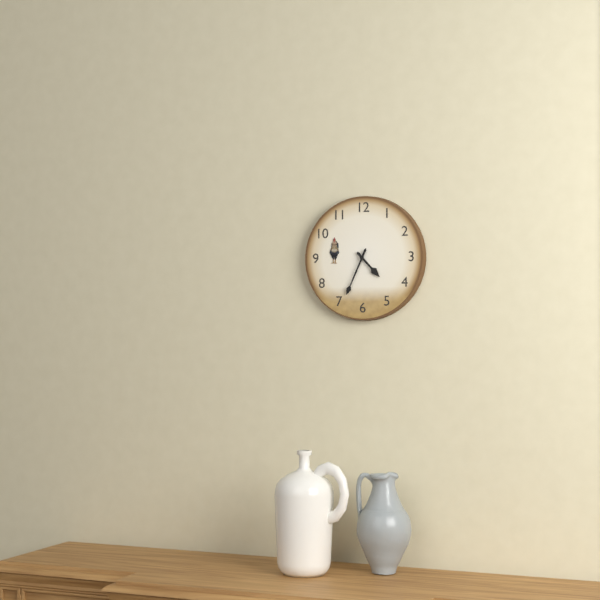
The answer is 4:34
